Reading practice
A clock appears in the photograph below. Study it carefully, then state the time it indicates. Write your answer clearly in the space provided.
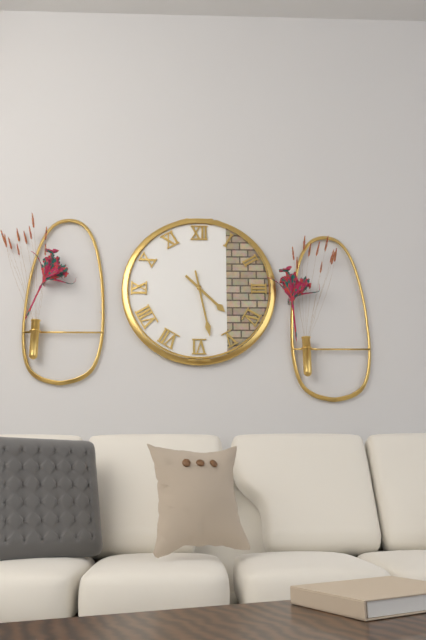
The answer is 4:28
